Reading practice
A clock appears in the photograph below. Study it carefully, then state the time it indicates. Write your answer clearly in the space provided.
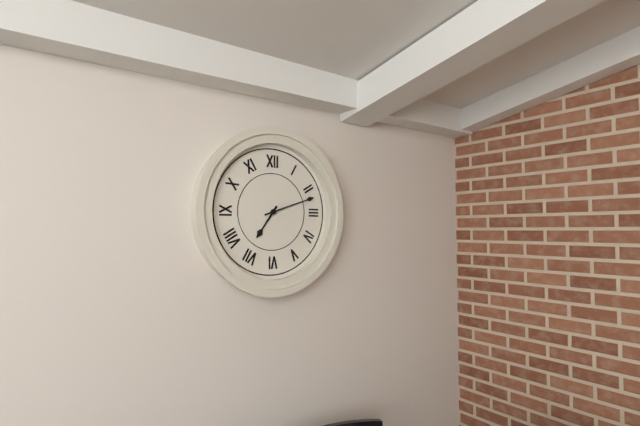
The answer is 7:12
